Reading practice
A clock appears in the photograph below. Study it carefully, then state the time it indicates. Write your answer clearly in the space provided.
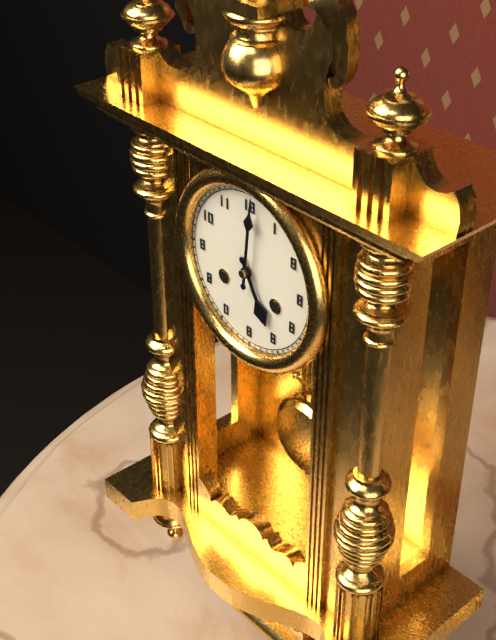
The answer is 5:01
